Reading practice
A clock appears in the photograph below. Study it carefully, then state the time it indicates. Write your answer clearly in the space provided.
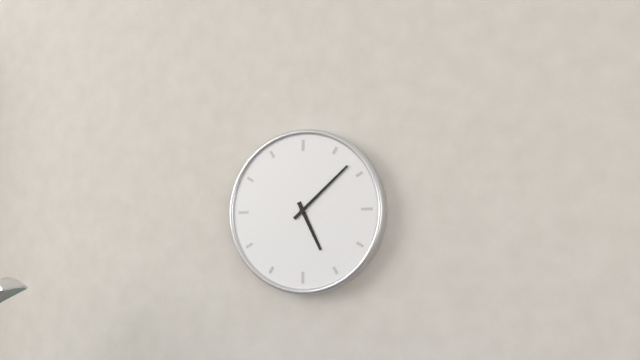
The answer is 5:08
